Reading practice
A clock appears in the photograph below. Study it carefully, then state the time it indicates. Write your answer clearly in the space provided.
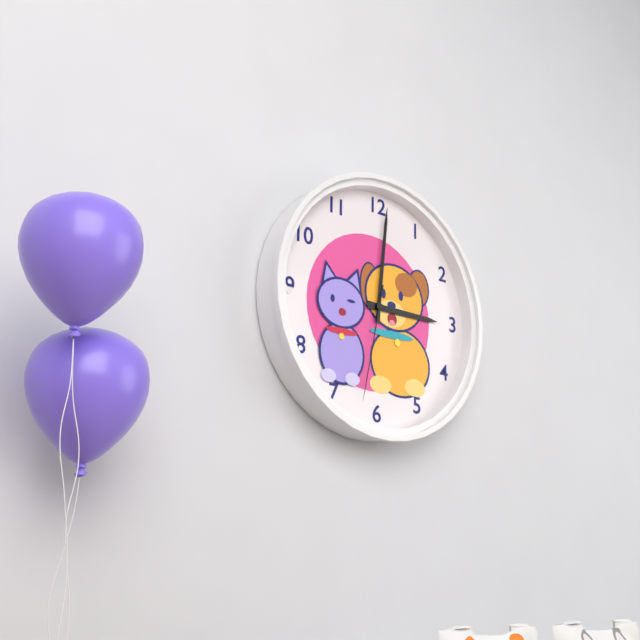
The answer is 3:01:32
